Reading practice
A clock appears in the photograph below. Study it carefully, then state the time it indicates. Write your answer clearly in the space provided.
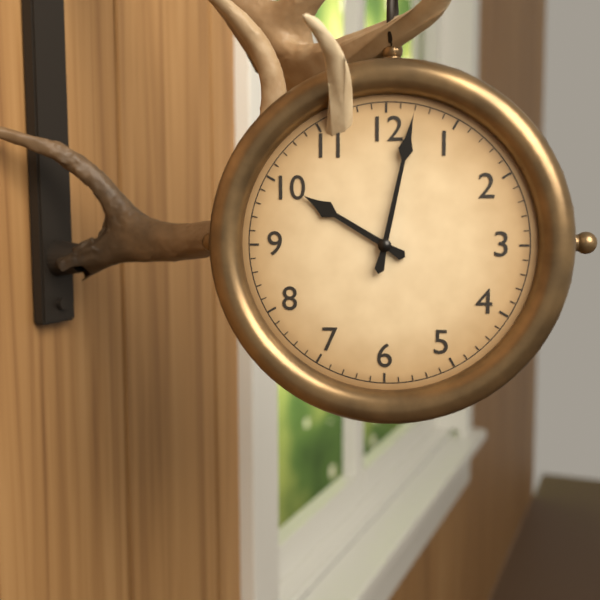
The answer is 10:02
